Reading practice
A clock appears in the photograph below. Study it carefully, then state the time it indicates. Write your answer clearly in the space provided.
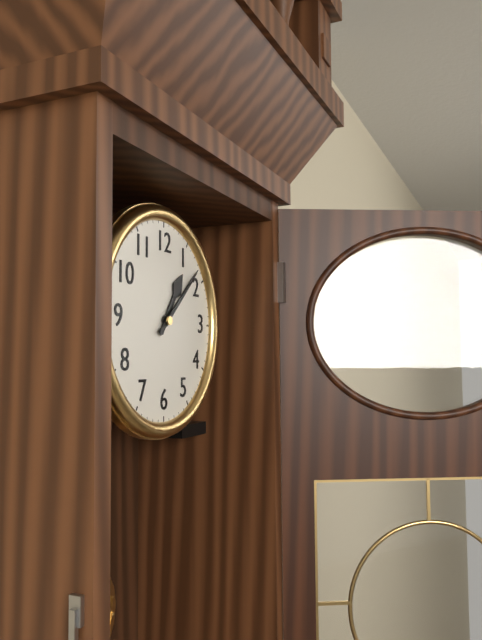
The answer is 1:08
